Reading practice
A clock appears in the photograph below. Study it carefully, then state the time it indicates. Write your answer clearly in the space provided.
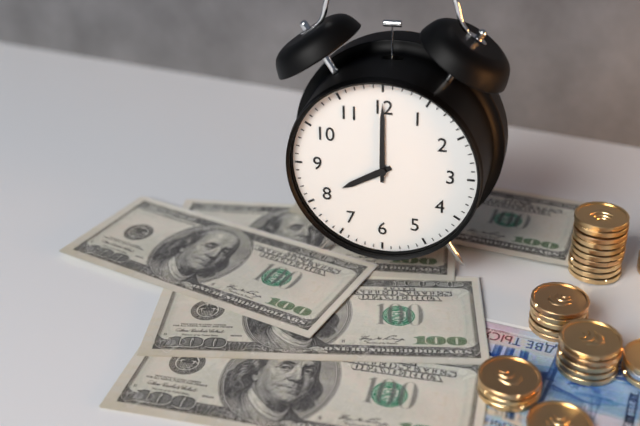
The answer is 8:00
